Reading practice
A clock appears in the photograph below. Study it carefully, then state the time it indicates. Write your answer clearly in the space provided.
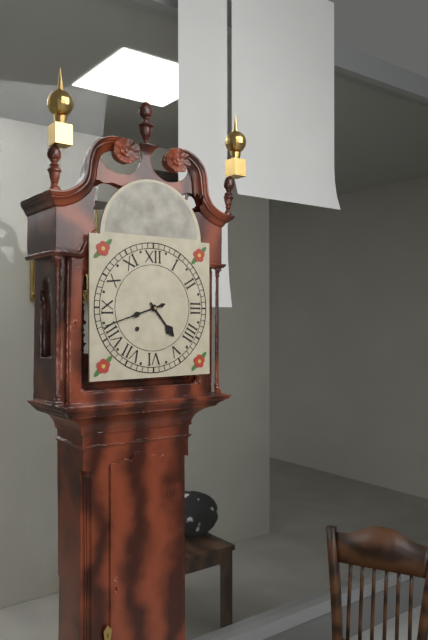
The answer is 4:42
